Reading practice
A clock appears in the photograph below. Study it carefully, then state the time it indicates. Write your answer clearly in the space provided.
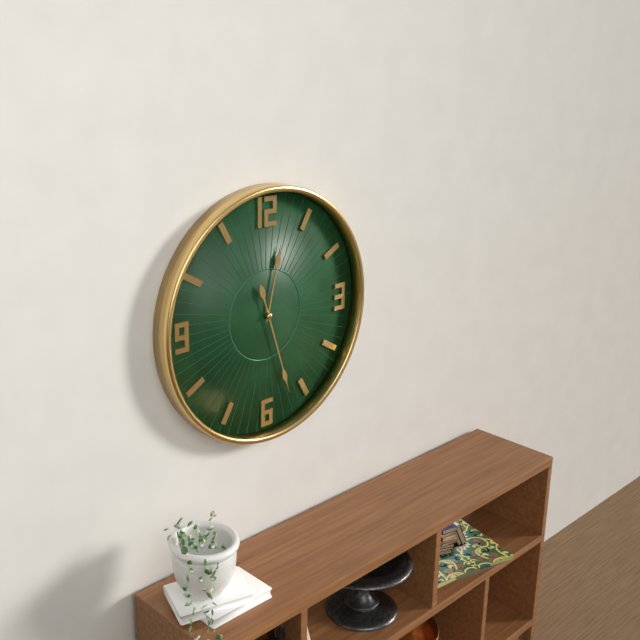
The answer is 12:27
